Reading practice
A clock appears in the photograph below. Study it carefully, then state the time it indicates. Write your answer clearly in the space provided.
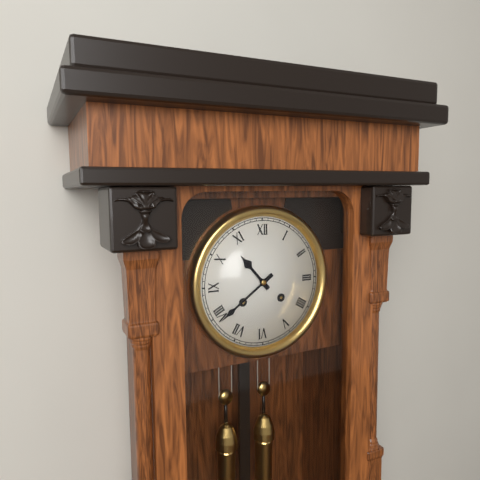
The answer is 10:39
